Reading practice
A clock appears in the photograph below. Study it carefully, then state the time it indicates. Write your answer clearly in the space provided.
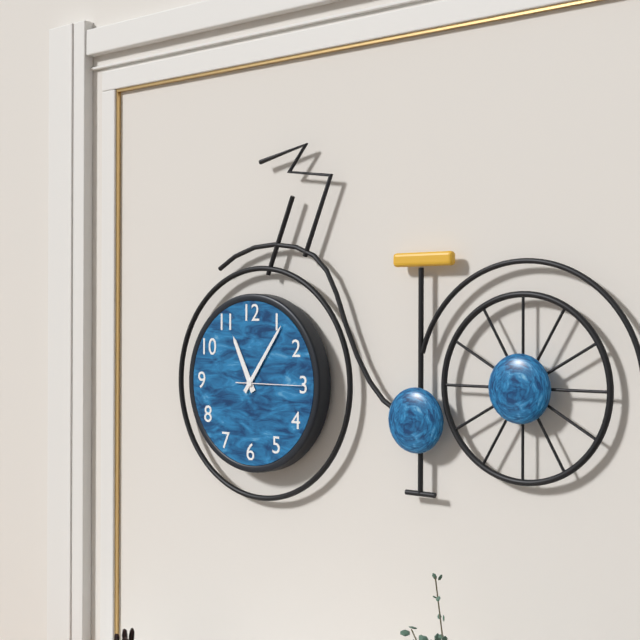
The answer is 11:06:15
